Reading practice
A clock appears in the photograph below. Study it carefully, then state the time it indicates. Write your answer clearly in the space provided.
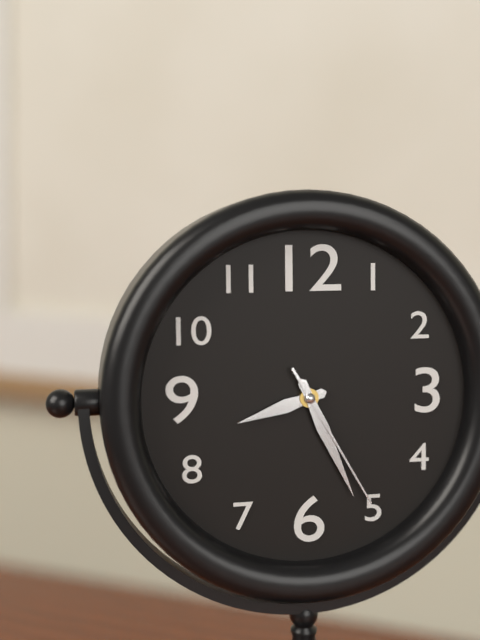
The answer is 8:26:25
